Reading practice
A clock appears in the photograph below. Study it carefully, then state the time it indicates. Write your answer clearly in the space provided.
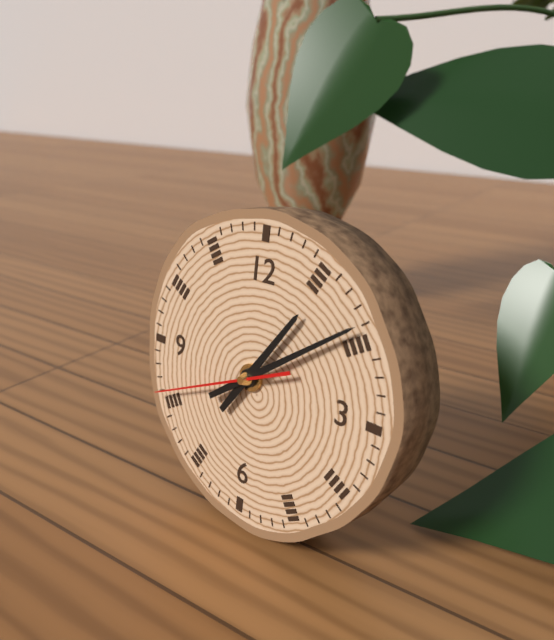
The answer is 1:09:41
